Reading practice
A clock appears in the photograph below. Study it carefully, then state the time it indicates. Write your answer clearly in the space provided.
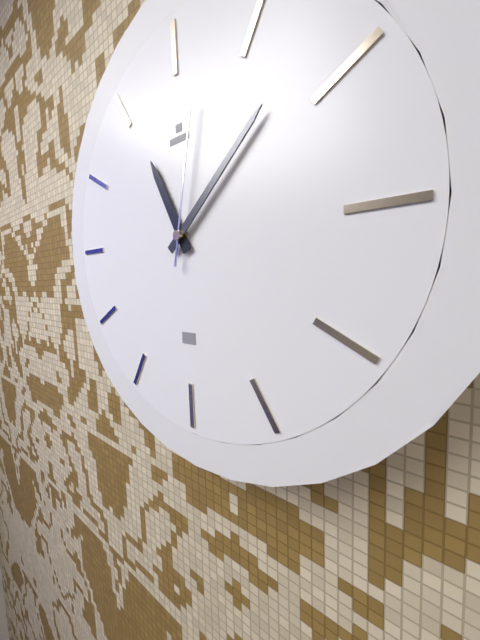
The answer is 11:08:02
